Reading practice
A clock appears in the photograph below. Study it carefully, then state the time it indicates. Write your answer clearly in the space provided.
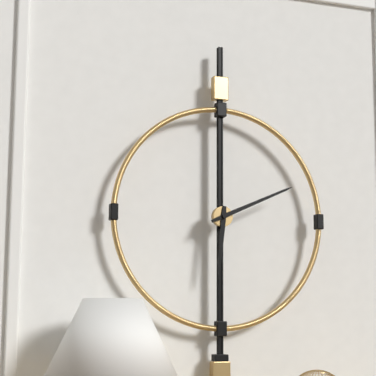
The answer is 6:11
